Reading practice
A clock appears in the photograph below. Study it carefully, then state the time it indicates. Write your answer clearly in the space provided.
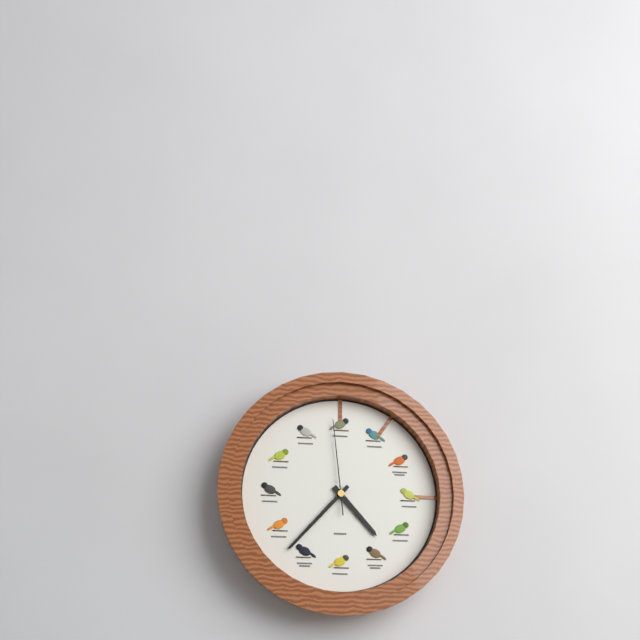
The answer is 4:37:59
